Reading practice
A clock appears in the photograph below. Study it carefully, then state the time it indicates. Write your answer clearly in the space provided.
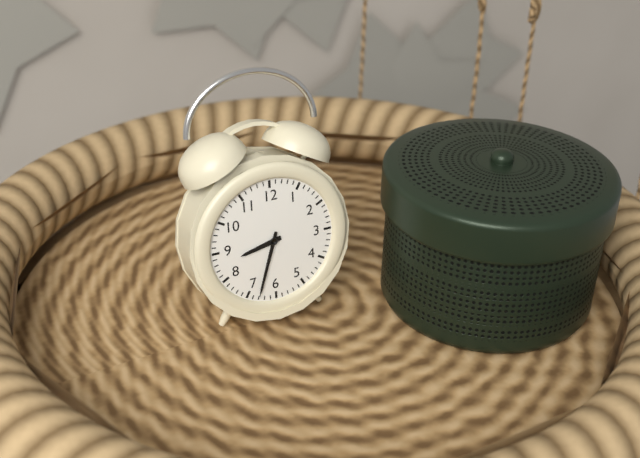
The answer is 8:33
